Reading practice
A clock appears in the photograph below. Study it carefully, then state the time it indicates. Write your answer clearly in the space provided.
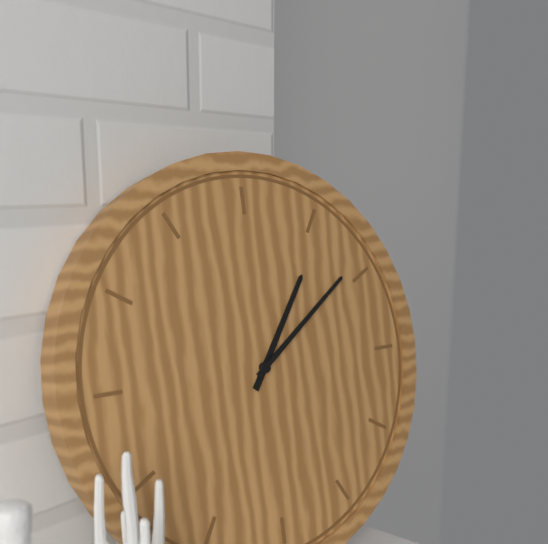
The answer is 1:09
